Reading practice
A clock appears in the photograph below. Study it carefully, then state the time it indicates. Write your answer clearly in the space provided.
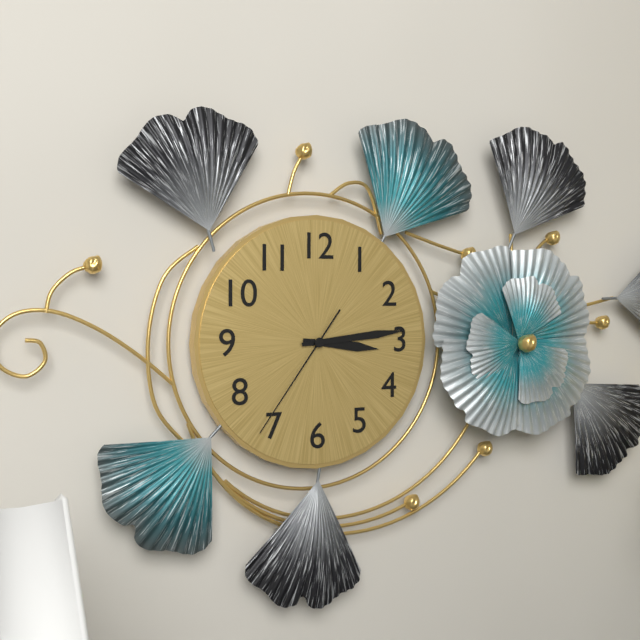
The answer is 3:14:36
